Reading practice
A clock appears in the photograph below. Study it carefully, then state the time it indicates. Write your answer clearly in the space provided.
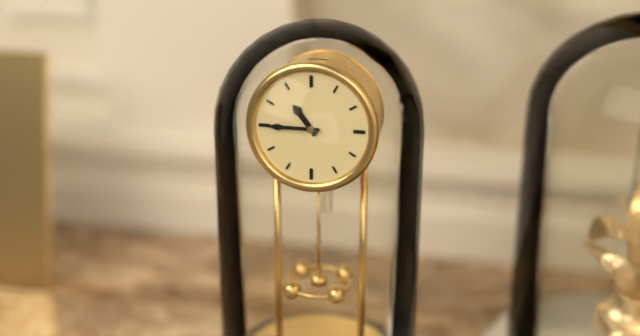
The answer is 10:45
